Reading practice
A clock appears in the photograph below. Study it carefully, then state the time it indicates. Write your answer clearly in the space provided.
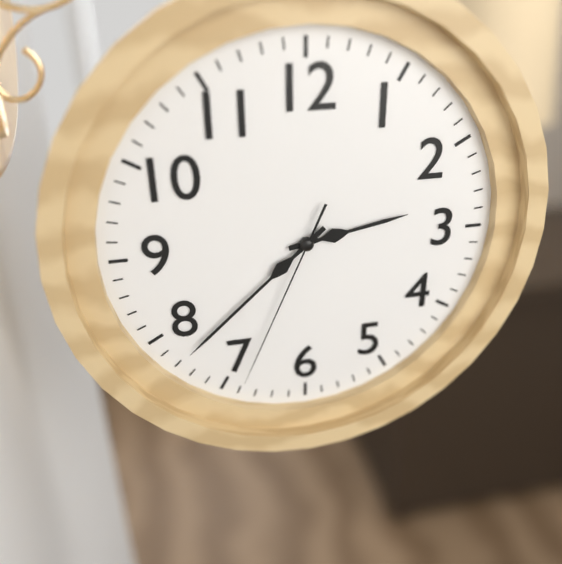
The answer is 2:38:34
